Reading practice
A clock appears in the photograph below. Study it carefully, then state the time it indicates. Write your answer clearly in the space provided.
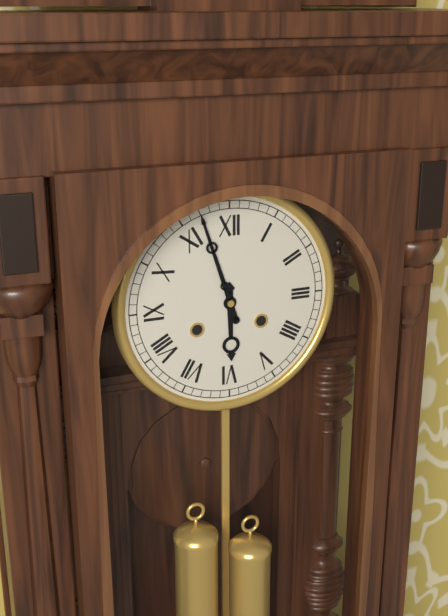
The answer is 5:57
